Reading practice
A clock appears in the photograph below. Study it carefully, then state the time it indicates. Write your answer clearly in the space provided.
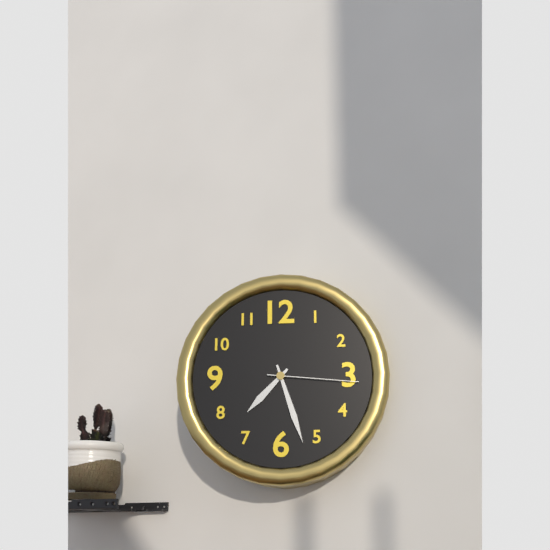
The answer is 7:27:16
